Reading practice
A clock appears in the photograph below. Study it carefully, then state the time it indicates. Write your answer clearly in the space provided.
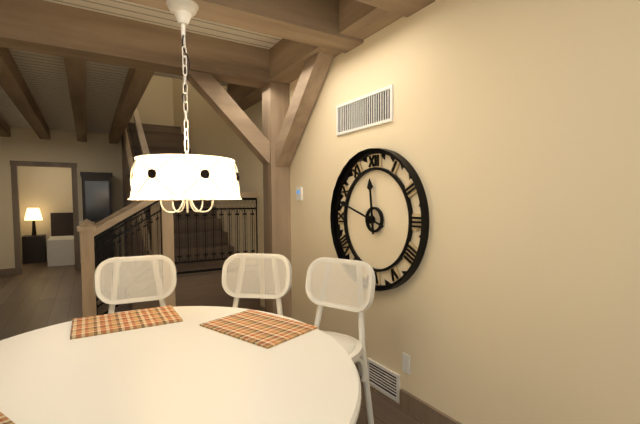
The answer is 11:48
